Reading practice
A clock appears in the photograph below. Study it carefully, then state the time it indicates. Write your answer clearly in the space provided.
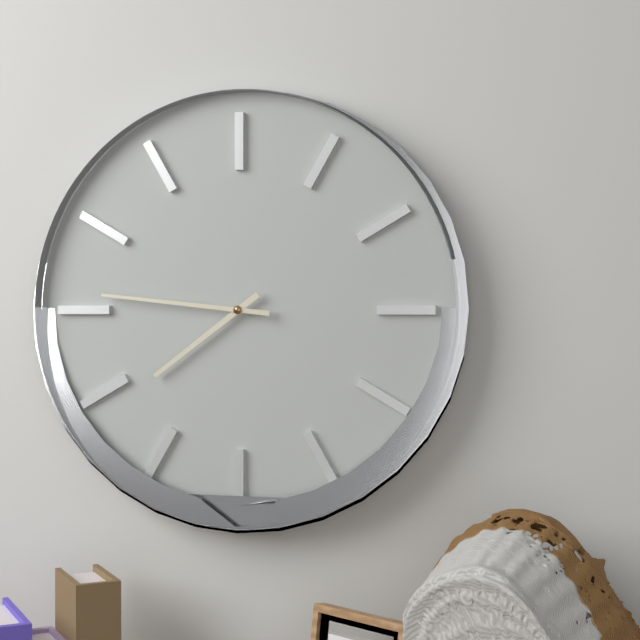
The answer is 7:46
